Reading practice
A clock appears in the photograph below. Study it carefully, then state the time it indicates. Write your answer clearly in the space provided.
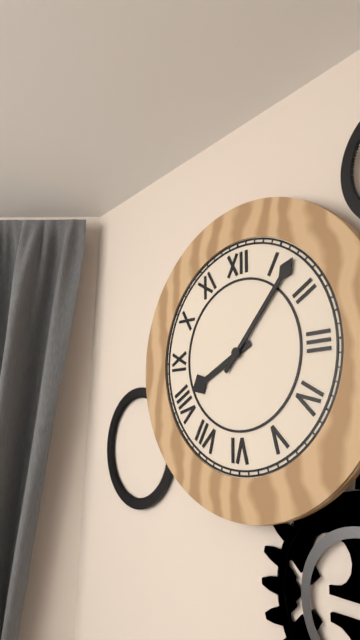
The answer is 8:07
